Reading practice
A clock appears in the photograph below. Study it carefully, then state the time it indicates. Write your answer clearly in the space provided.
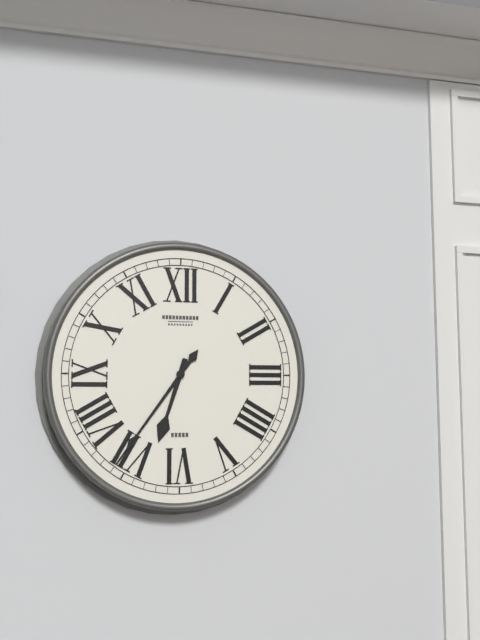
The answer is 6:36
